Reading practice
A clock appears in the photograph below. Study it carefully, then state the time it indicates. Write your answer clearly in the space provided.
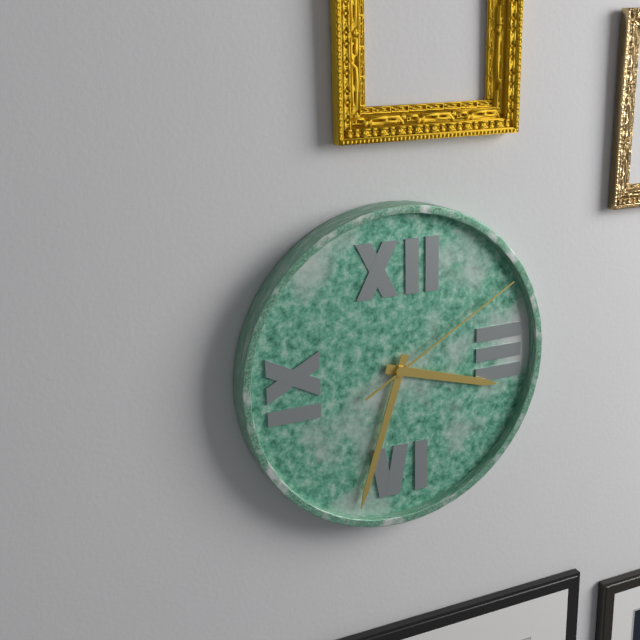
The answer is 3:33:10
